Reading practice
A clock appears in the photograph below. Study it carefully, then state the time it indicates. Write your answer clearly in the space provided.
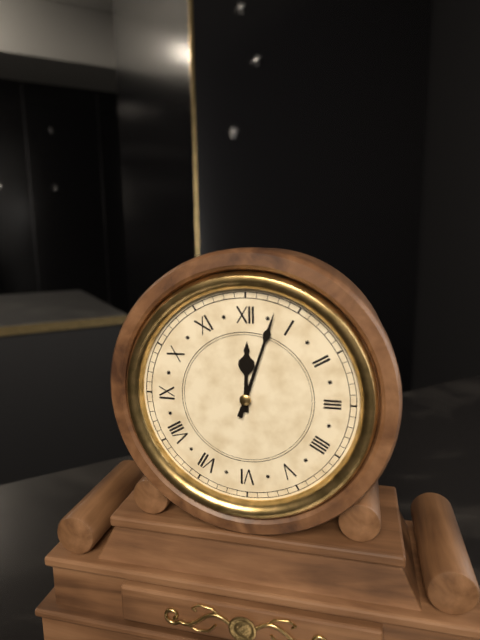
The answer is 12:03
